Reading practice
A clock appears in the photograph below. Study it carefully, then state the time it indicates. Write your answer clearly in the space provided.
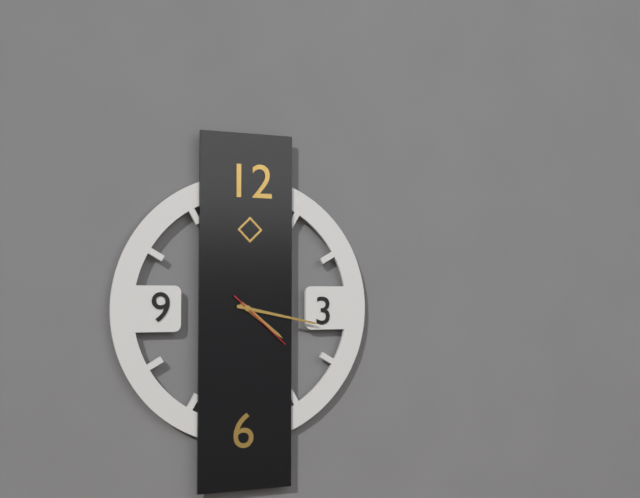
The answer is 4:17:22
